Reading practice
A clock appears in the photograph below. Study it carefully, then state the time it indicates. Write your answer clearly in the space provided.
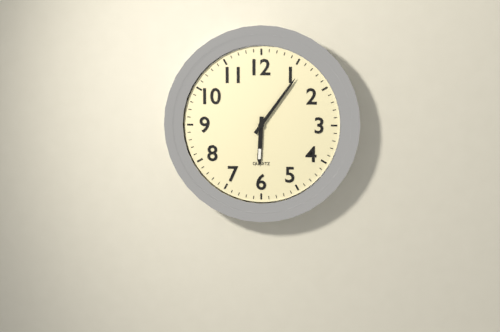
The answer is 6:06
